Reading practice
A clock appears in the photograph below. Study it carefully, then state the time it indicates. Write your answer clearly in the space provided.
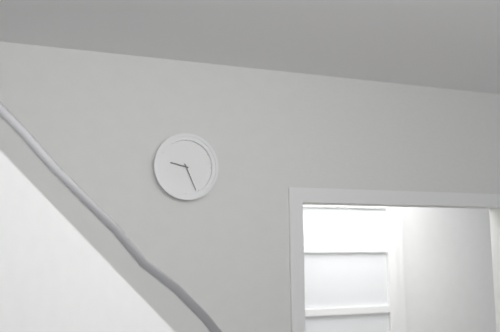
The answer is 9:26
